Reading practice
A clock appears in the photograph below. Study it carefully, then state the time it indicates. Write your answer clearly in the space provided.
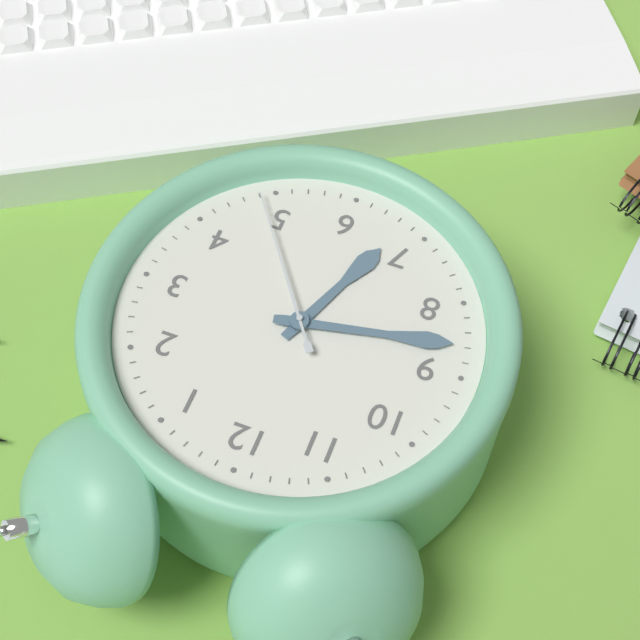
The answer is 6:43:24
